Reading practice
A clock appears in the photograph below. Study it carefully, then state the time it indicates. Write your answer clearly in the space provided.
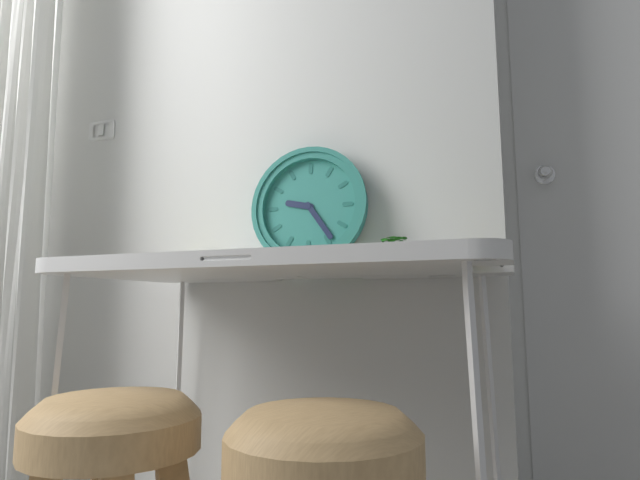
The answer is 9:24
